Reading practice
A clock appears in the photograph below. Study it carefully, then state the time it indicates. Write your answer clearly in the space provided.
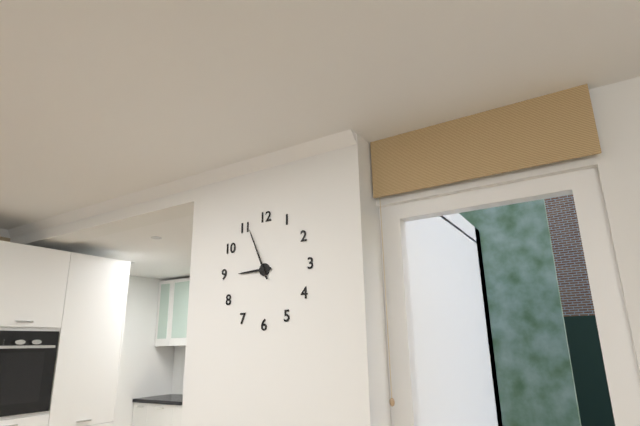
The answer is 8:56
